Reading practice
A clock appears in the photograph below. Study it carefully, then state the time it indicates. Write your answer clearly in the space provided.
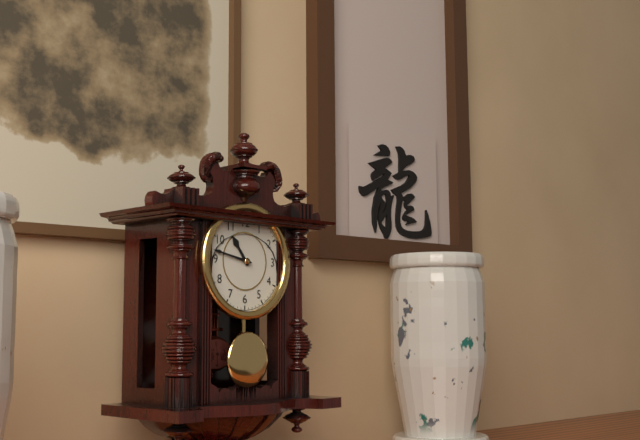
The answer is 10:47
